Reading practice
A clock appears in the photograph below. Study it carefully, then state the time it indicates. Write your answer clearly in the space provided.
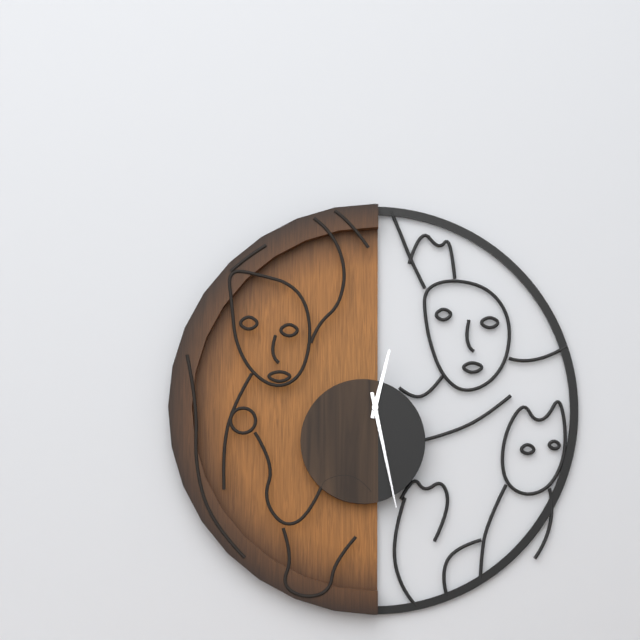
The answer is 12:28
